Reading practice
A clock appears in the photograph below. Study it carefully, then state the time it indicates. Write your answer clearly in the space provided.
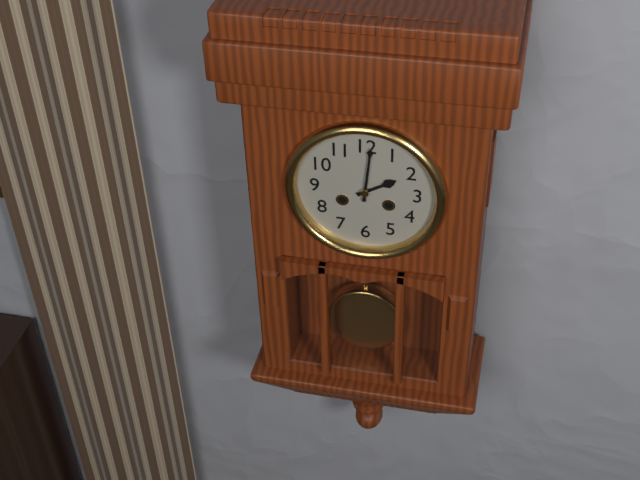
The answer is 2:01
